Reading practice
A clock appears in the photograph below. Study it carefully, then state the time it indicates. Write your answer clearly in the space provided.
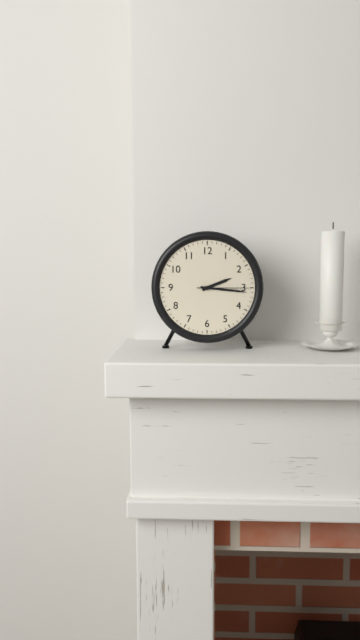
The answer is 2:16:15
